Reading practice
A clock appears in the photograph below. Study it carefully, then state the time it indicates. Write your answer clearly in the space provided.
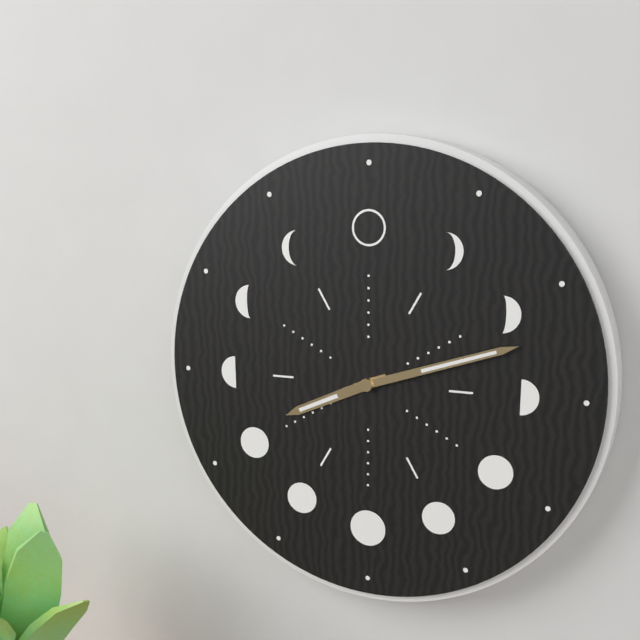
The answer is 8:12
